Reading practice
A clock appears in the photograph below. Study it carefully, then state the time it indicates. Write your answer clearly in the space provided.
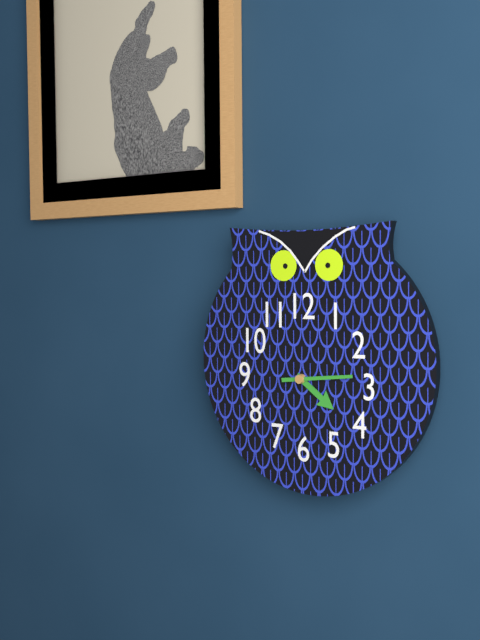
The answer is 4:14
